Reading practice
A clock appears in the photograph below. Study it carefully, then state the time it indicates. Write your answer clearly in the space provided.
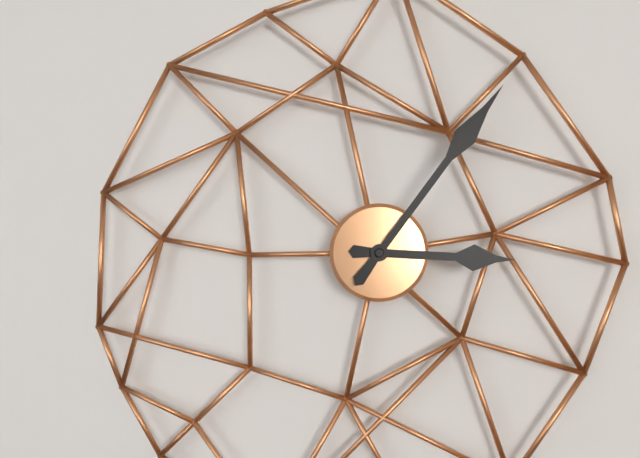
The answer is 3:06
